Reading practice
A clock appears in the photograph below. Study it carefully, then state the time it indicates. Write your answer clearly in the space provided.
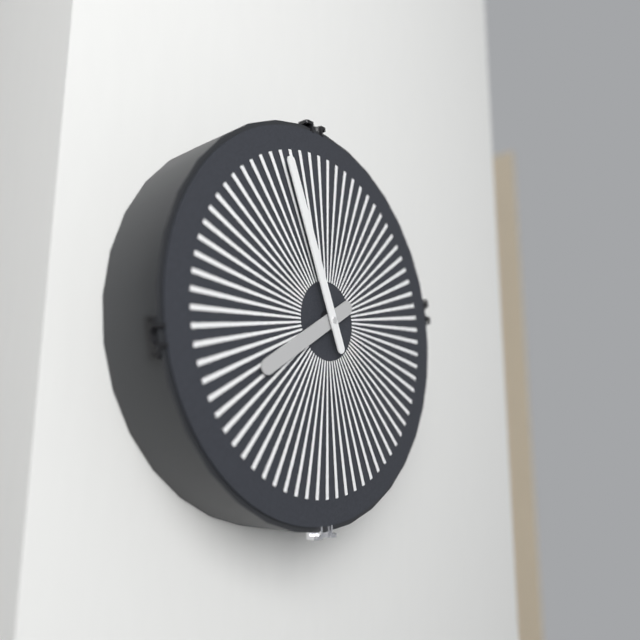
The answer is 7:56
